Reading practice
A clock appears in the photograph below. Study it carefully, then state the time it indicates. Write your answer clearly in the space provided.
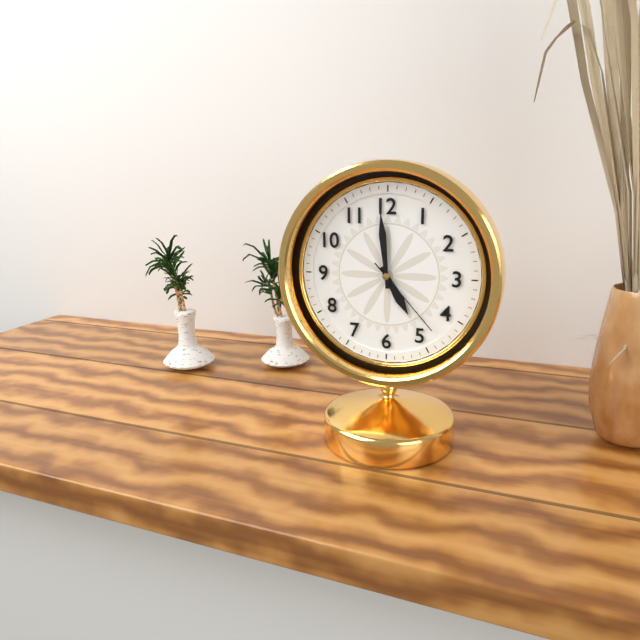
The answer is 4:59:23
